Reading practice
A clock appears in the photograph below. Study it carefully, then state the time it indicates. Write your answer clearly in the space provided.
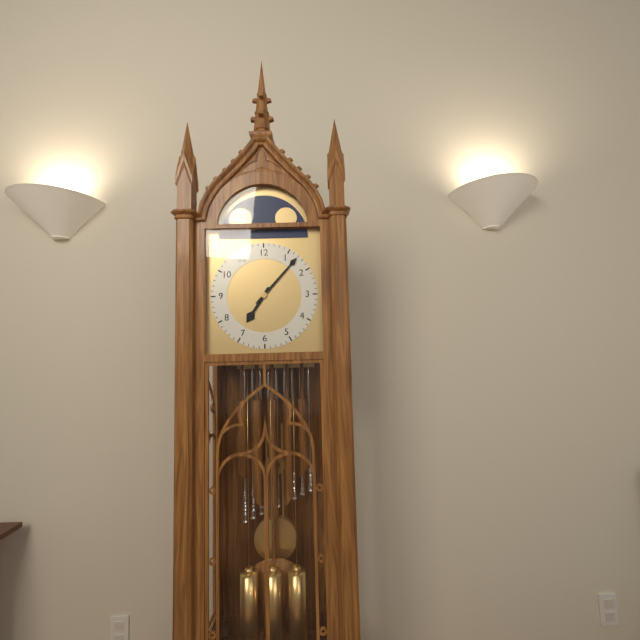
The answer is 7:07
